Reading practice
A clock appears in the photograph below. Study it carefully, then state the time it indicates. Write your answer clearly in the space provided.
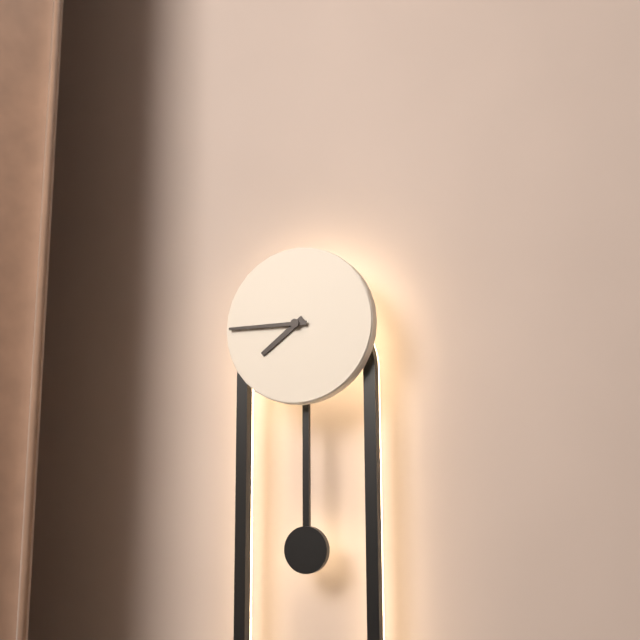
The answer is 7:45
